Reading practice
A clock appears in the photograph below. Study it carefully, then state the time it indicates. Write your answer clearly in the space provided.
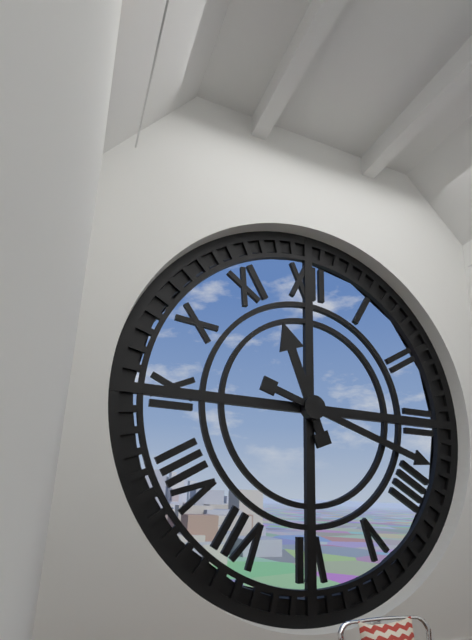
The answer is 11:18
